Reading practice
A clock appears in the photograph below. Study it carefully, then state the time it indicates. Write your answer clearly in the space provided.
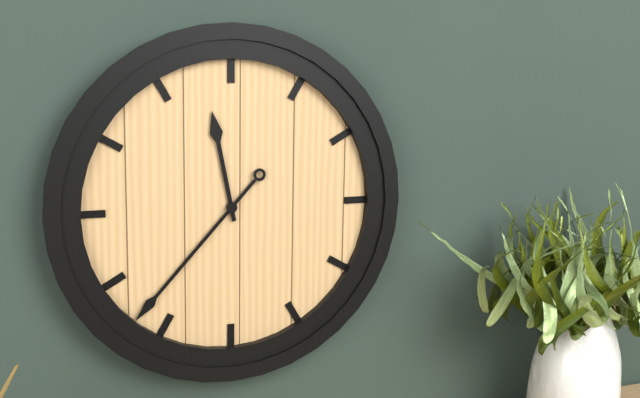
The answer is 11:37
